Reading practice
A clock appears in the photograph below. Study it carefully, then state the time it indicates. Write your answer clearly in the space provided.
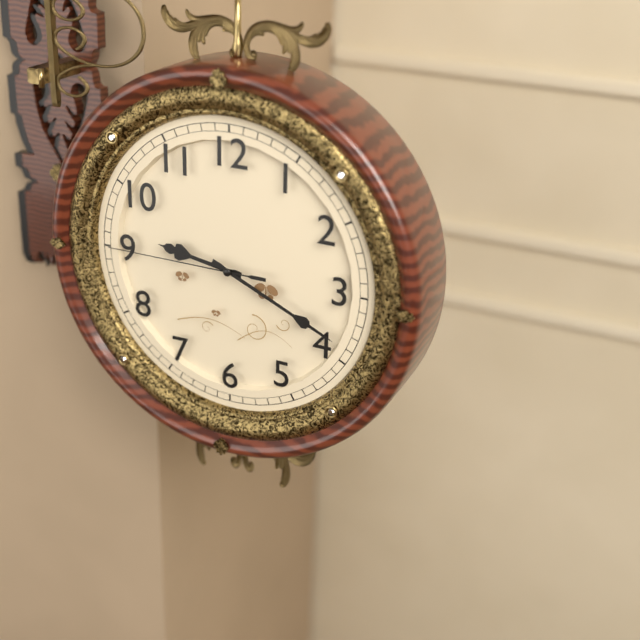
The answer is 9:19:45
